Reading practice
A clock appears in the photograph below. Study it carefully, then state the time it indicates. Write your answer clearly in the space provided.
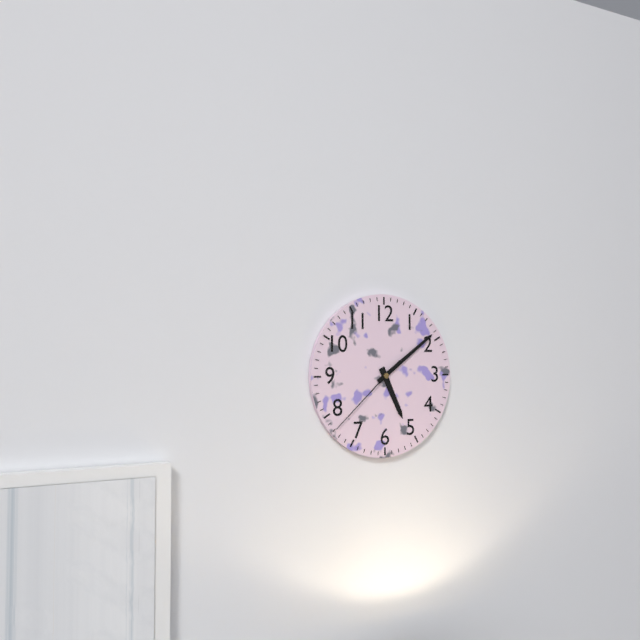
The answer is 5:09:38
